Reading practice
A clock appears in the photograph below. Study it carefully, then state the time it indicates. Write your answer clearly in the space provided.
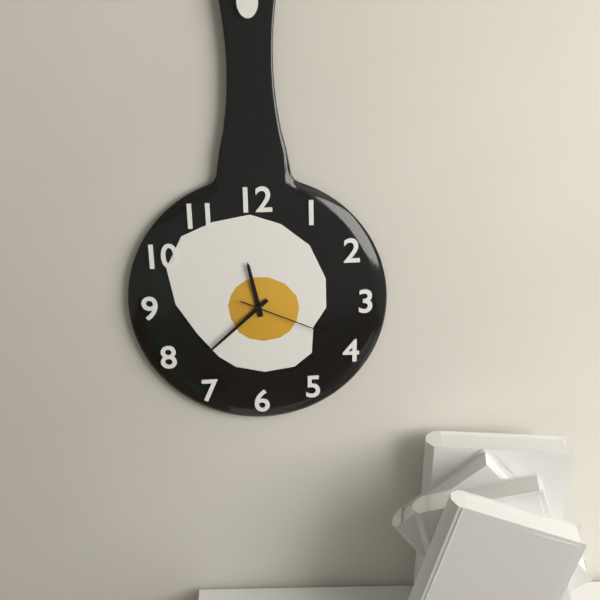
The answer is 11:38:19
